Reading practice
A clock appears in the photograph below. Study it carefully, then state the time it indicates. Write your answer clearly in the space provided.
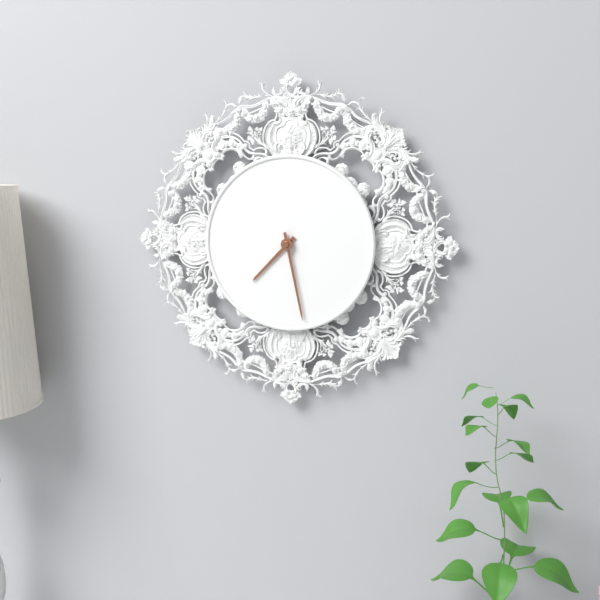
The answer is 7:28
